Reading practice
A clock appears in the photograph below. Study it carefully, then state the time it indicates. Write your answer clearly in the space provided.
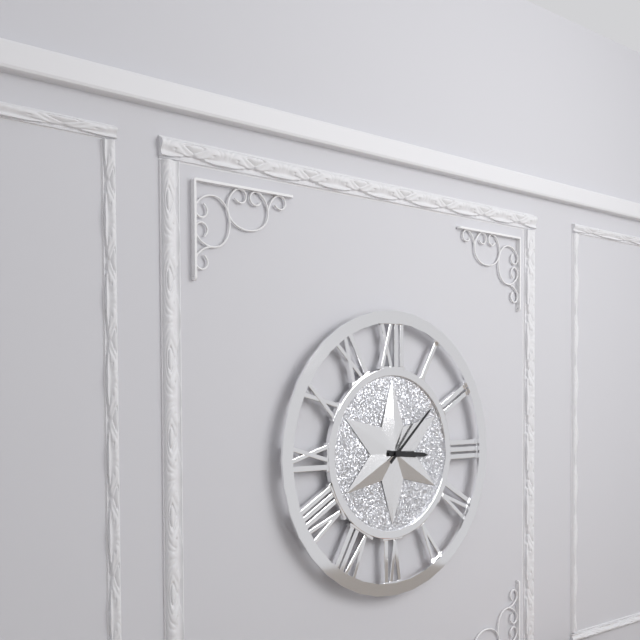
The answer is 3:08
